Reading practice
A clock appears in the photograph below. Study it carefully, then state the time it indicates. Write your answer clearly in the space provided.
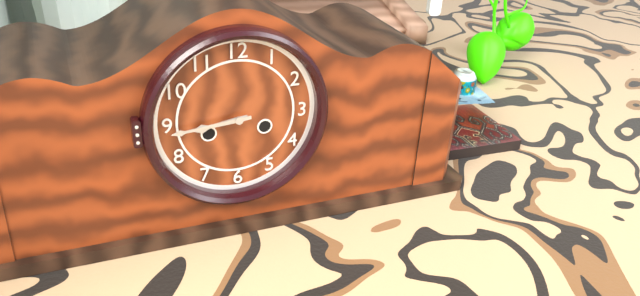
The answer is 8:44
